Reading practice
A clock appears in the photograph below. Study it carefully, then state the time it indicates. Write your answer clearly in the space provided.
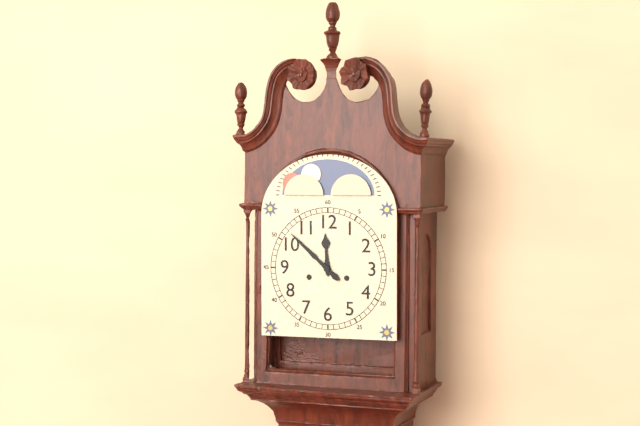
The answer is 11:52
